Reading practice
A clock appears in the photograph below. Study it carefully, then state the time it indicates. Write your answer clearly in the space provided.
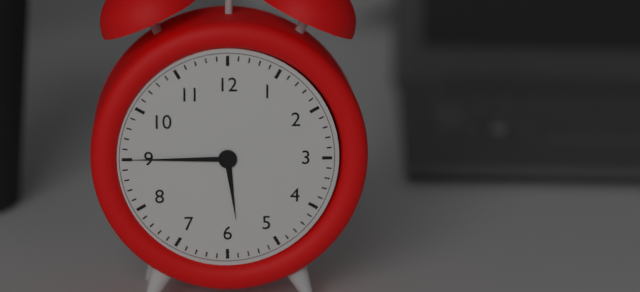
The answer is 5:45
